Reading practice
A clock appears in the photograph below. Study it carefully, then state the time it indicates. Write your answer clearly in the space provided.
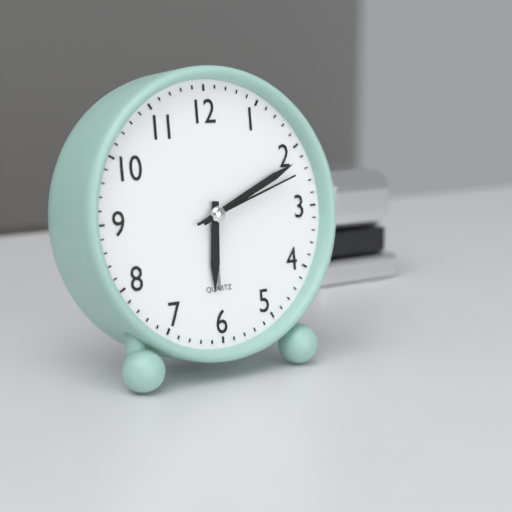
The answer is 6:11:12
